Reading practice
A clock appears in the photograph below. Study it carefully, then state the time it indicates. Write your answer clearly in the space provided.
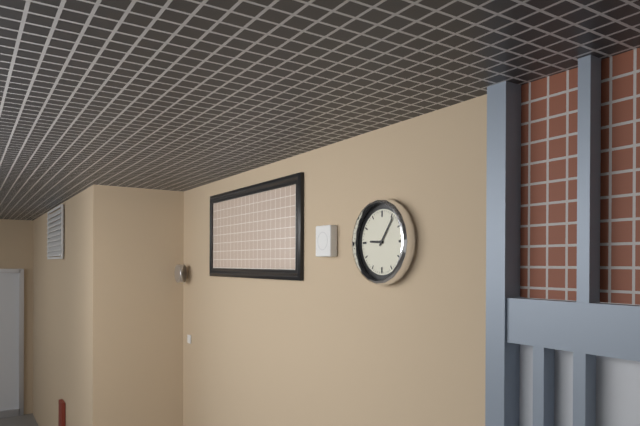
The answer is 9:06
